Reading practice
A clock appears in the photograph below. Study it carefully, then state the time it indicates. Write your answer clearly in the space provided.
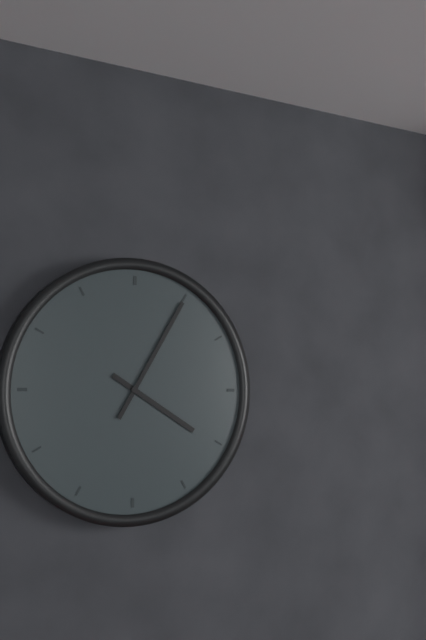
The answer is 4:05
